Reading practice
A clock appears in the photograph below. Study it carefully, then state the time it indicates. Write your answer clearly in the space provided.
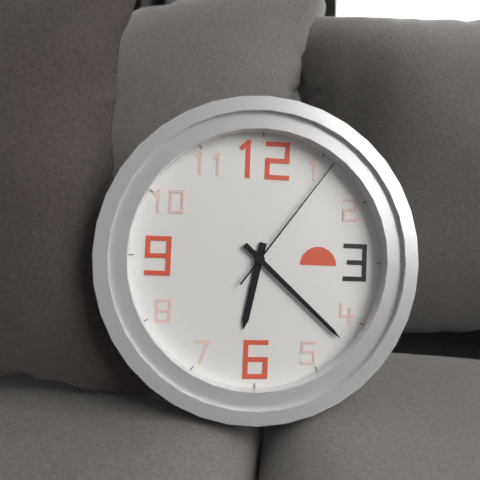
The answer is 6:22:06
